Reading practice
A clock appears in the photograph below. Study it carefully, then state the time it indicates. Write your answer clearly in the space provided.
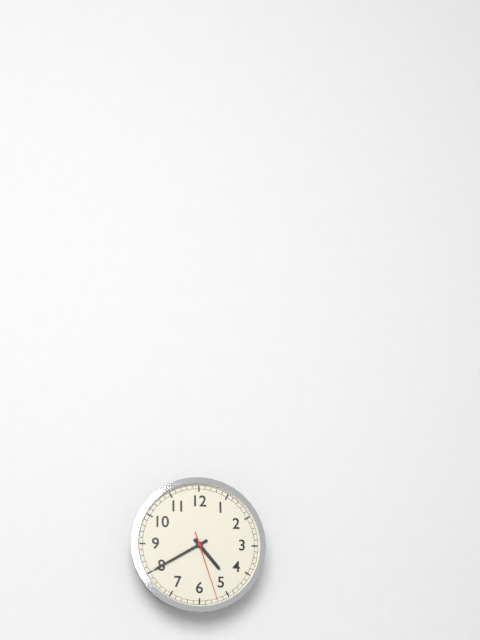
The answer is 4:40:27
